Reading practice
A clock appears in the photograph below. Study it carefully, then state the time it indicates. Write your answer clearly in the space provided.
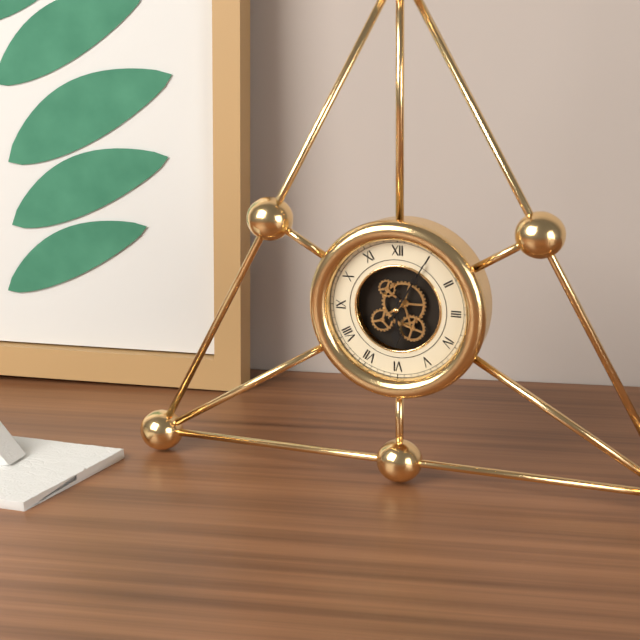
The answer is 6:05
